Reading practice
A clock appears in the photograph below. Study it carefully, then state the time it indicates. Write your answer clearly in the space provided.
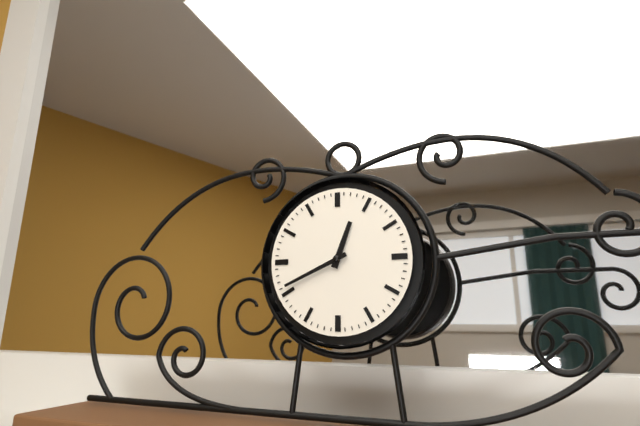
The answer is 12:41
